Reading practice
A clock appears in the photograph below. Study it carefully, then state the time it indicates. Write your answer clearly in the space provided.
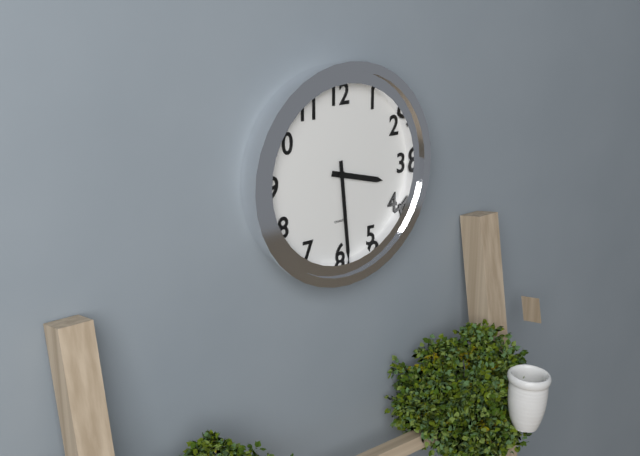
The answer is 3:29
